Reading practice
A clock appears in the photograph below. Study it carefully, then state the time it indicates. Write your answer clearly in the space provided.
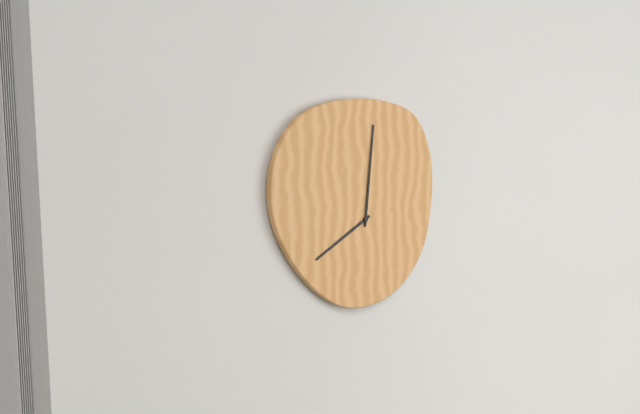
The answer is 8:01
